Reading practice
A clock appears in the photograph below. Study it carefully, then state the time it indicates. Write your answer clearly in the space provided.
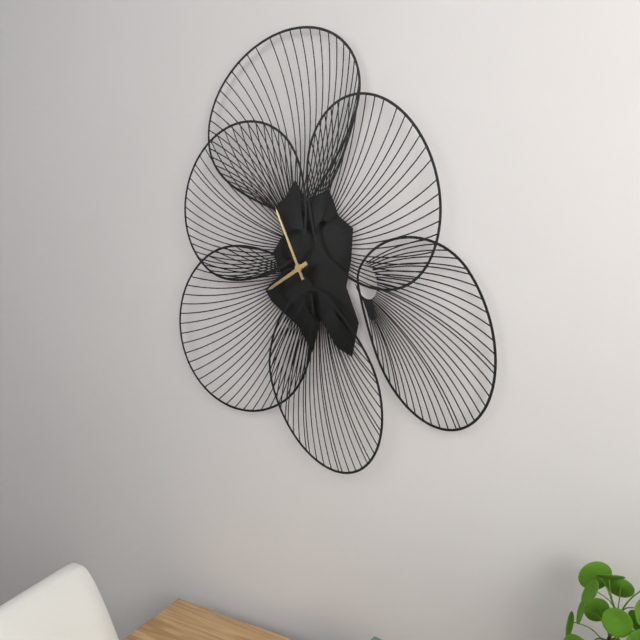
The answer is 7:56
